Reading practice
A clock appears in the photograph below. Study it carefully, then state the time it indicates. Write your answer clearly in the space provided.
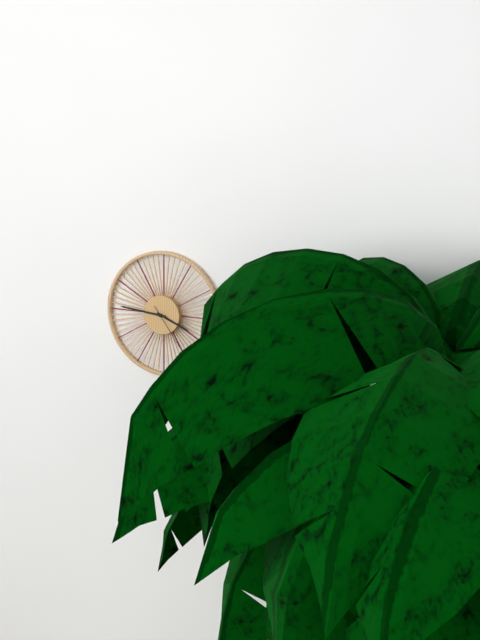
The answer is 3:46
